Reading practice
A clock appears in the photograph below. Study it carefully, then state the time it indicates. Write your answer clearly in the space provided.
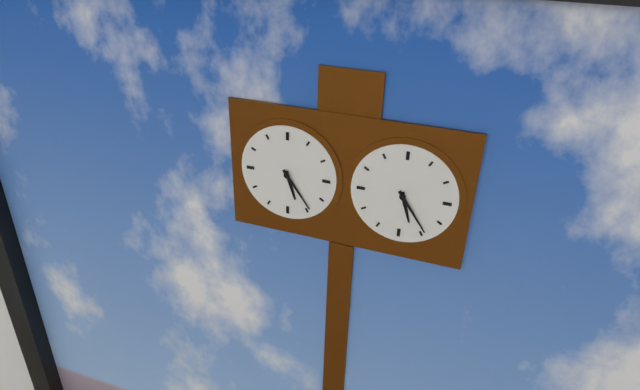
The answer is 5:24
